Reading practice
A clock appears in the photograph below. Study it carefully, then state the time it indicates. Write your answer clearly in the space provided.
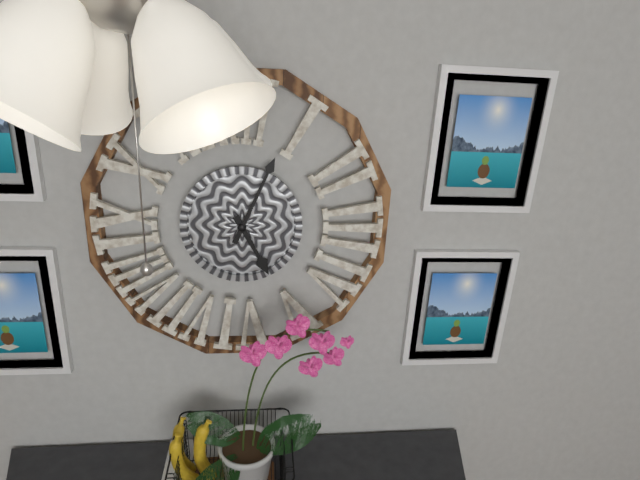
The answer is 5:04
